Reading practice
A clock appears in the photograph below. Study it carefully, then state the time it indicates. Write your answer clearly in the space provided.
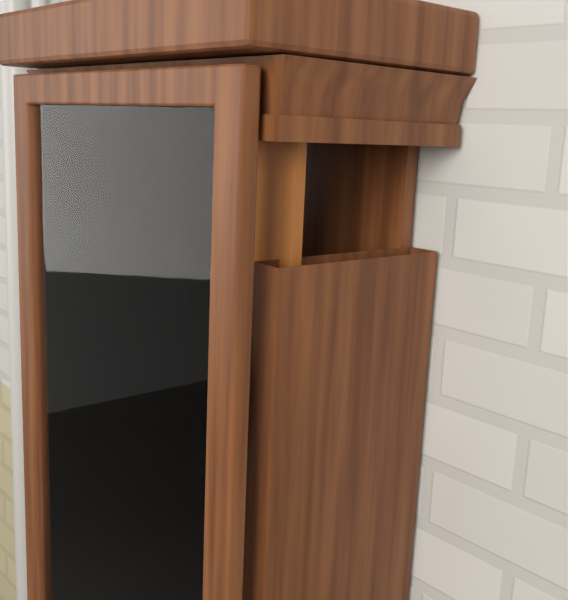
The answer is 3:24
